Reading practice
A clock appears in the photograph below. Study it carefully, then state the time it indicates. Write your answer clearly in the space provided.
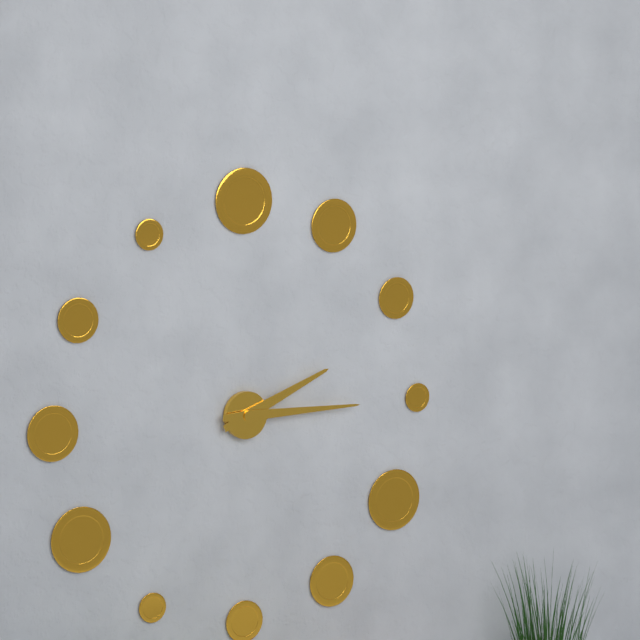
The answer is 2:15
